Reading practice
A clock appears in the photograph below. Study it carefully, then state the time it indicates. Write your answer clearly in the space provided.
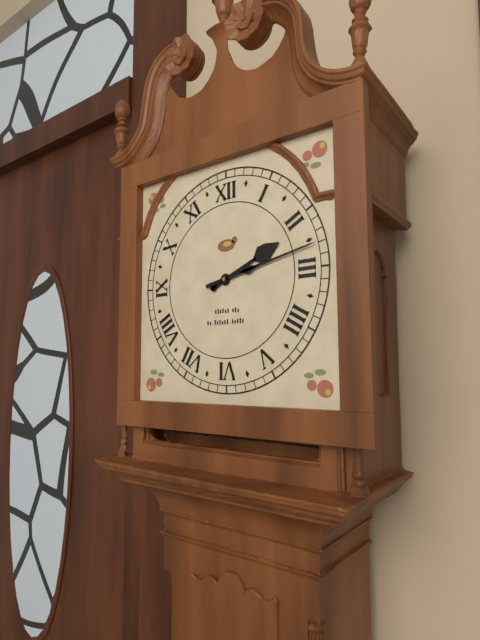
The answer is 2:13
